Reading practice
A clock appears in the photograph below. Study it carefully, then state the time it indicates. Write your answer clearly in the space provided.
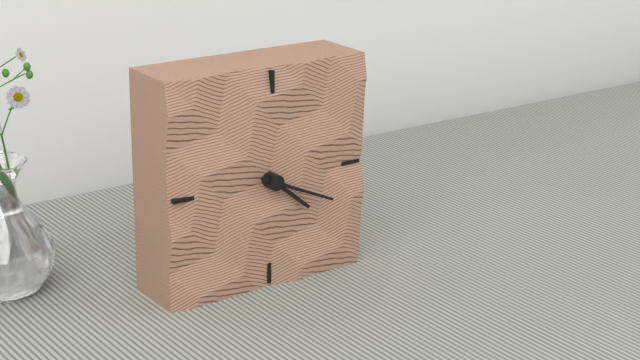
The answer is 4:19
